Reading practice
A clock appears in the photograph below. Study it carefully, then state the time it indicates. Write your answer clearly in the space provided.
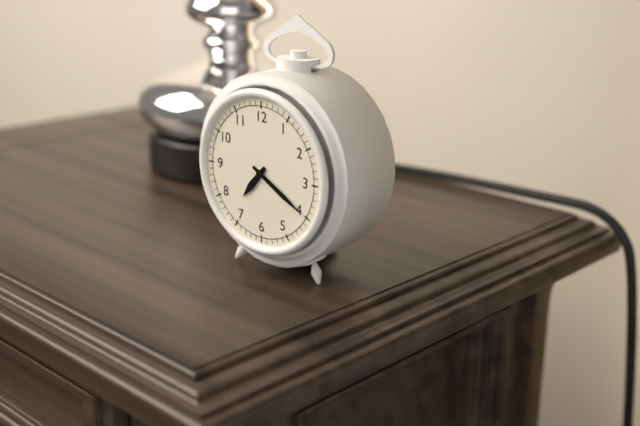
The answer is 7:20
